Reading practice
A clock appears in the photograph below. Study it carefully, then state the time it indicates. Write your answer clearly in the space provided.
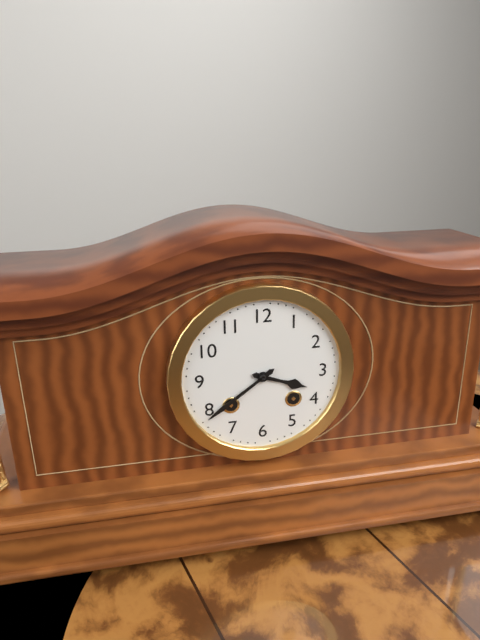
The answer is 3:39
